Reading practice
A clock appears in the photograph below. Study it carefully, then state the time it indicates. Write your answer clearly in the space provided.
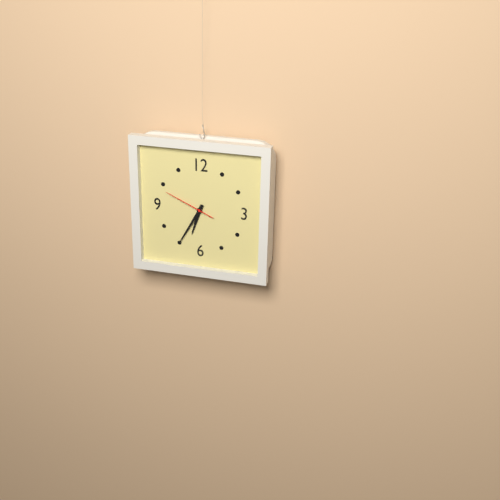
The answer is 6:35
